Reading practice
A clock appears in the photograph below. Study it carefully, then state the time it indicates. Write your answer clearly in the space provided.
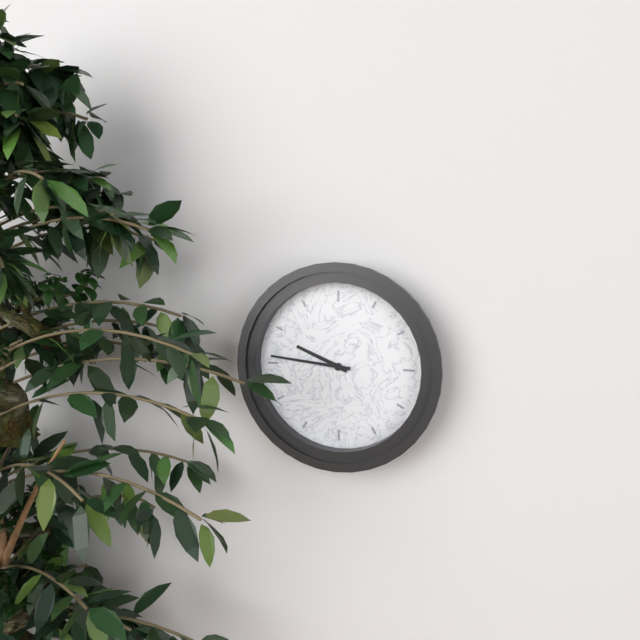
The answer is 9:46
